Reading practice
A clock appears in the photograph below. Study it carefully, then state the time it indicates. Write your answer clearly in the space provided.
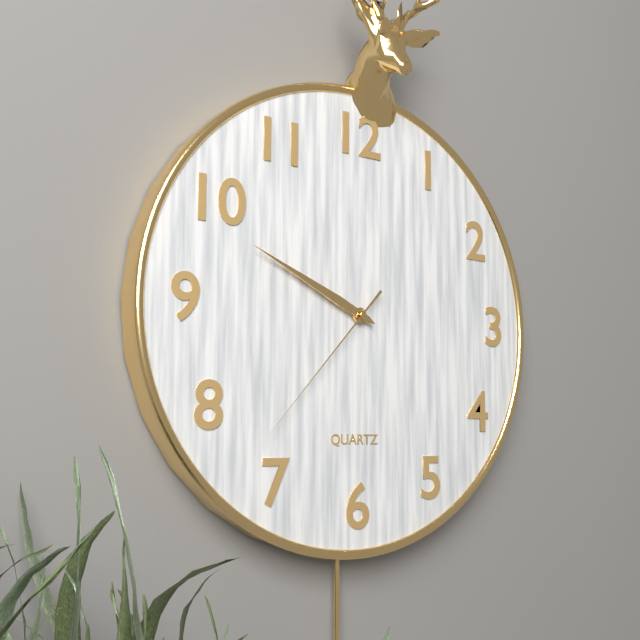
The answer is 9:49:37
